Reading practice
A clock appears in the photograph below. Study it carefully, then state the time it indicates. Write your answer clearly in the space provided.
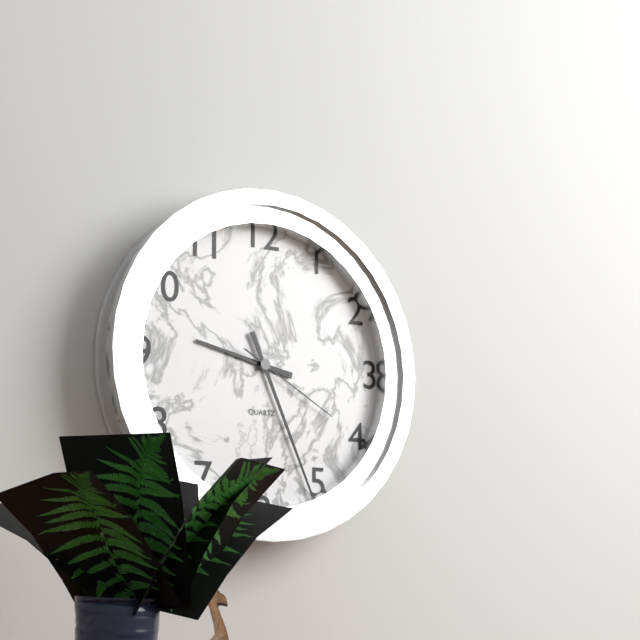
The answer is 9:26:20
